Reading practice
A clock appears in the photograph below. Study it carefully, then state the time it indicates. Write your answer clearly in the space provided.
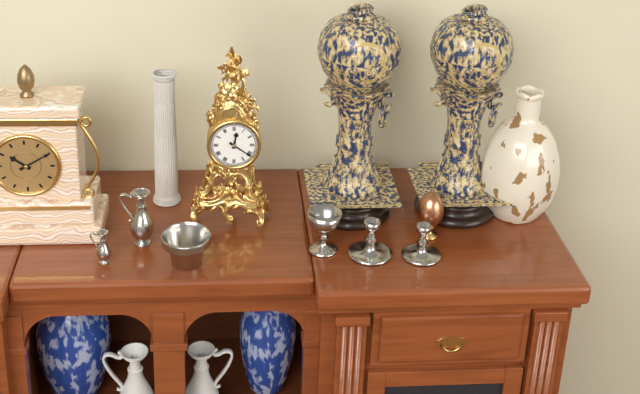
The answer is 12:21
